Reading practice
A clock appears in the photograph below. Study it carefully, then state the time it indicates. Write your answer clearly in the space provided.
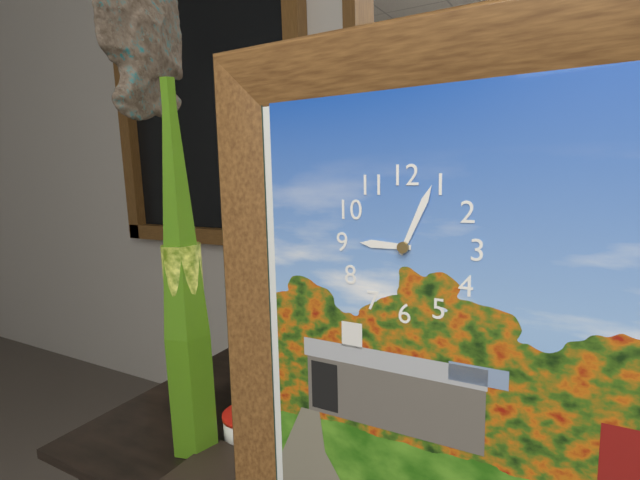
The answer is 9:04
